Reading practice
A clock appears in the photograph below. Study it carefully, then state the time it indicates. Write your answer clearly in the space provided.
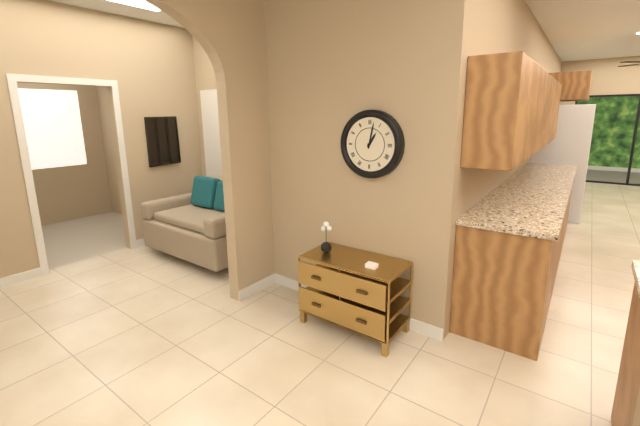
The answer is 1:02
